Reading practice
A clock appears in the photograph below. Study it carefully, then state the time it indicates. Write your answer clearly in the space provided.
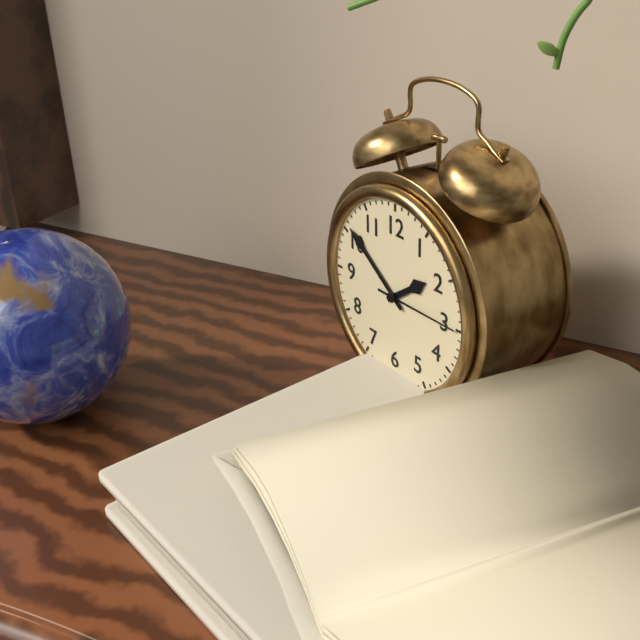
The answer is 1:51:15
